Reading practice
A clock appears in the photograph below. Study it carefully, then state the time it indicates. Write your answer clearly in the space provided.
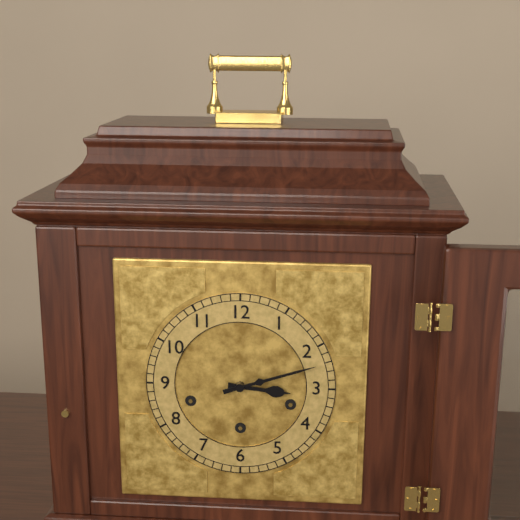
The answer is 3:12
